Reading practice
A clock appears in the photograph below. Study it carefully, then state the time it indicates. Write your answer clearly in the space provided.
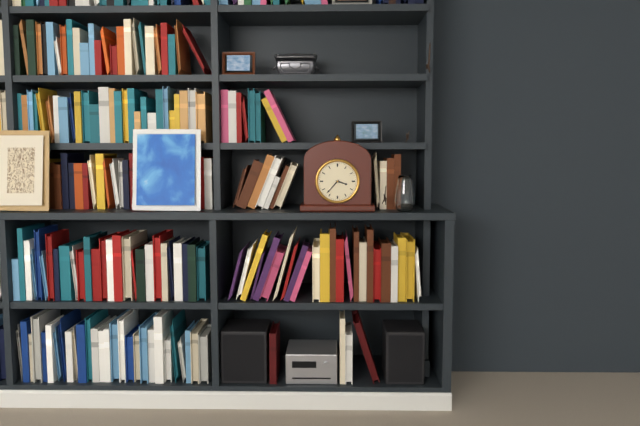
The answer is 3:37
